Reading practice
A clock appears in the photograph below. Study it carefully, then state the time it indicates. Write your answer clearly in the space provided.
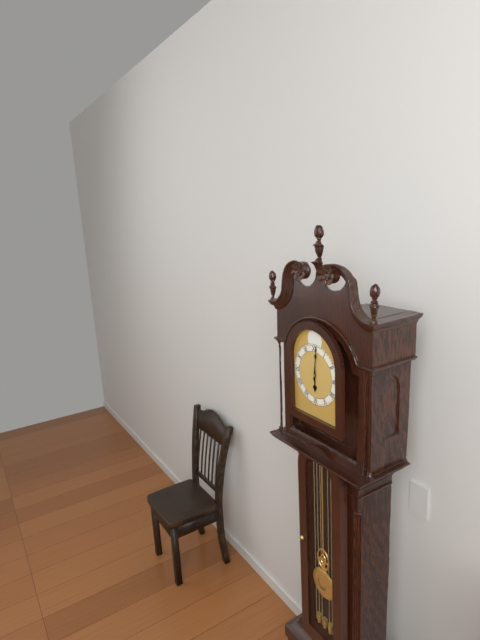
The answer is 6:01
